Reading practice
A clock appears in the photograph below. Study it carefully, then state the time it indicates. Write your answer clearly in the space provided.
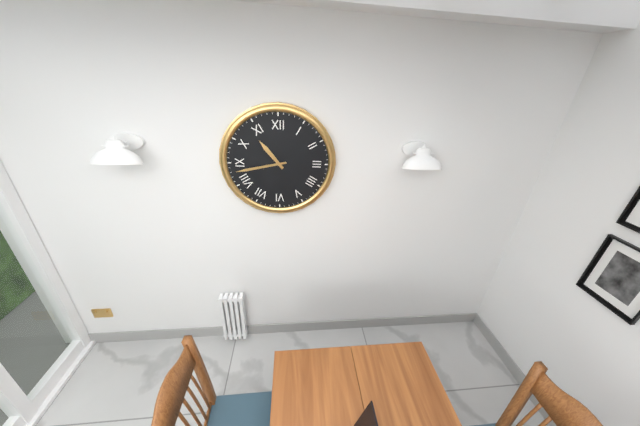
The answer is 10:43
